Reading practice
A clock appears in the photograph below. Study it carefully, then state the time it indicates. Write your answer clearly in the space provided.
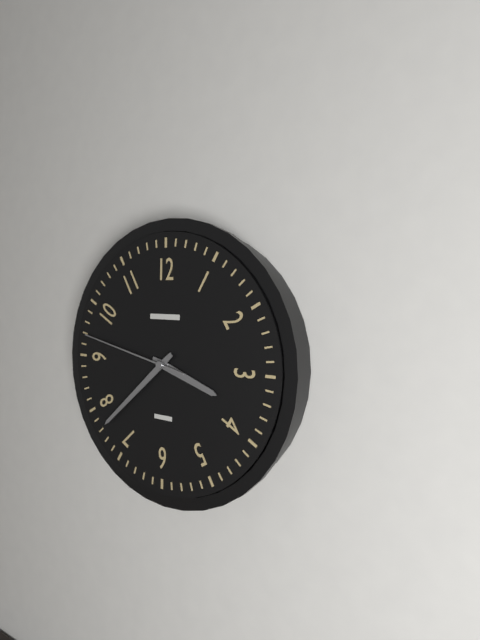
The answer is 3:38:47
